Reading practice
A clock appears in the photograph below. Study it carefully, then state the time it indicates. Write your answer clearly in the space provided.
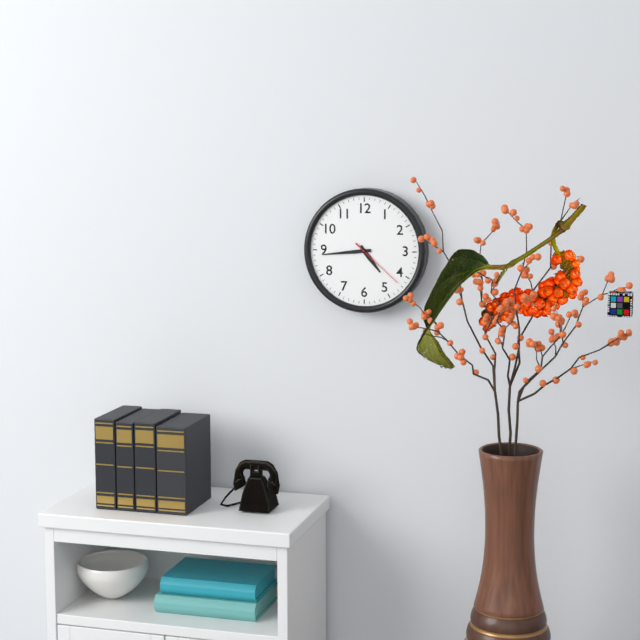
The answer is 4:44:22
